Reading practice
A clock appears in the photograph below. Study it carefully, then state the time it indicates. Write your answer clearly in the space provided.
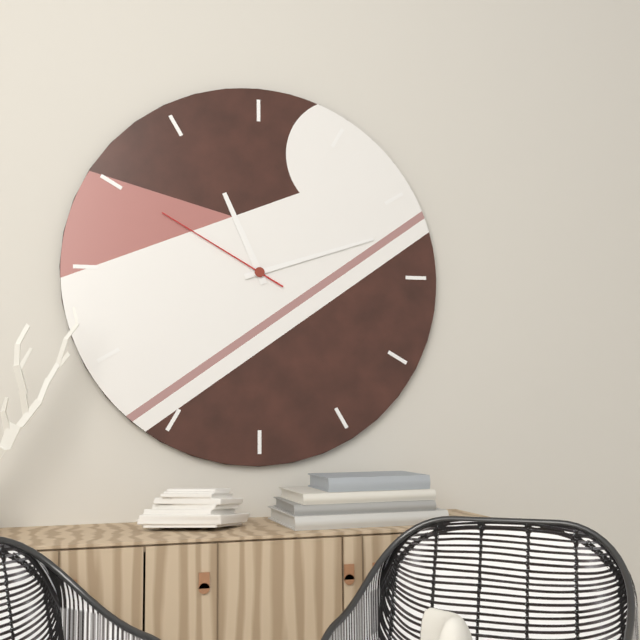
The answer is 11:12:50
